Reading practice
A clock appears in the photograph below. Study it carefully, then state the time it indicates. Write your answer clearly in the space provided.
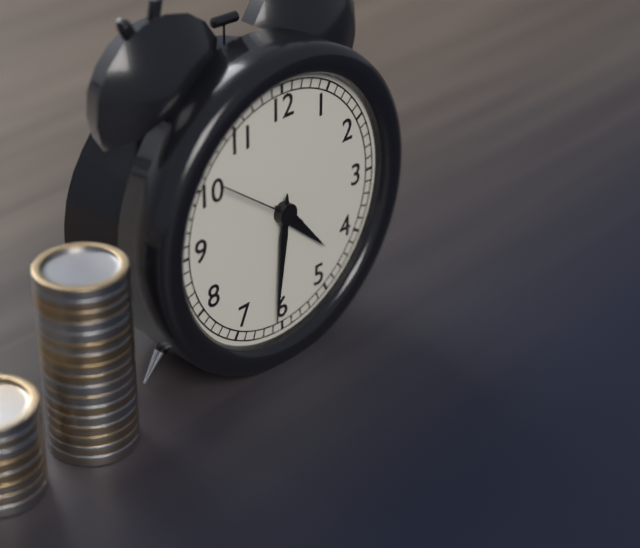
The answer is 4:31:51
